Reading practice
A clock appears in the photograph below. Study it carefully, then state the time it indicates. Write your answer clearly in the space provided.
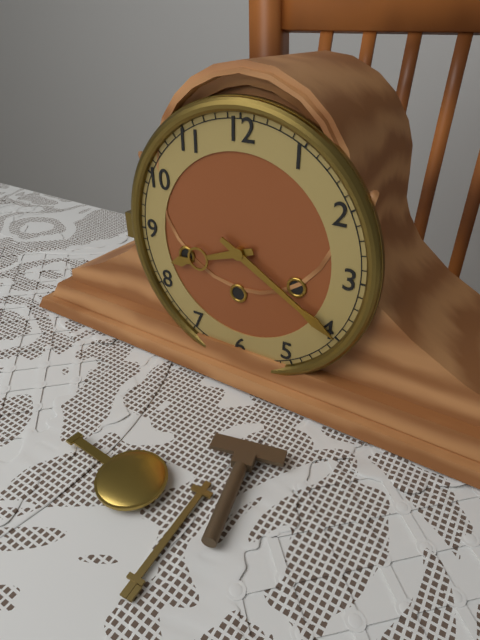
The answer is 8:20
